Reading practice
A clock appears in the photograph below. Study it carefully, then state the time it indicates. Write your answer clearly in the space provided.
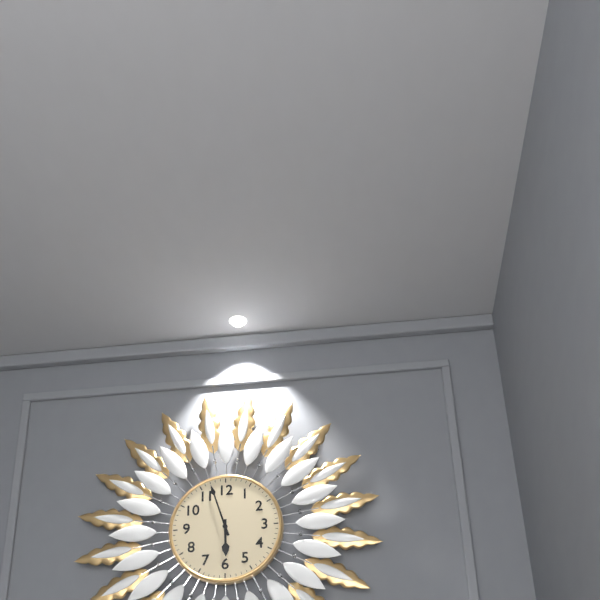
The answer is 5:57
